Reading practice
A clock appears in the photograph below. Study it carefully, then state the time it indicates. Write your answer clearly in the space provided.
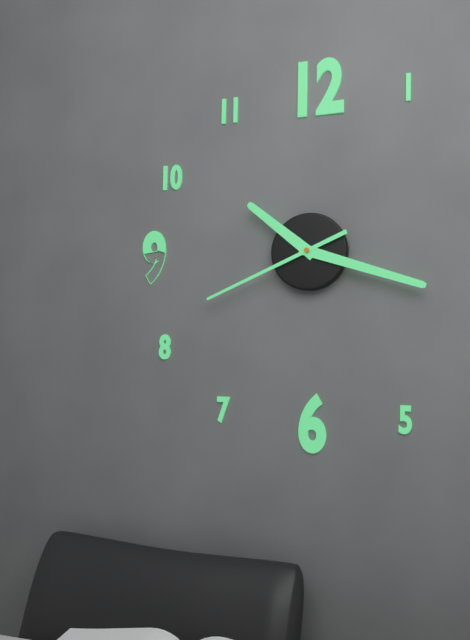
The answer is 10:18:41
